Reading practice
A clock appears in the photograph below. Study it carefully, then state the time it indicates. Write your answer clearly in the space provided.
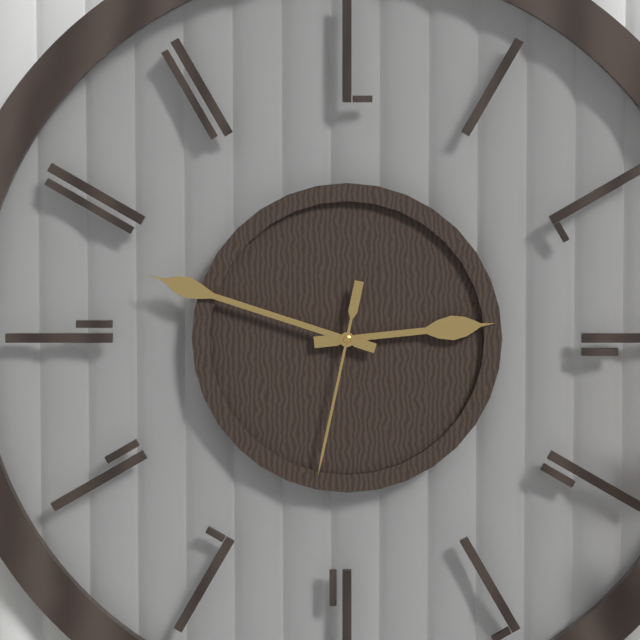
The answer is 2:48:32
